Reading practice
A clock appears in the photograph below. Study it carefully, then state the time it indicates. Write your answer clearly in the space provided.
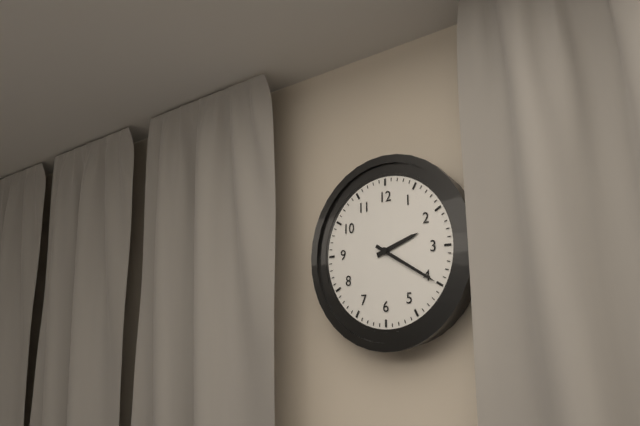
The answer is 2:20
